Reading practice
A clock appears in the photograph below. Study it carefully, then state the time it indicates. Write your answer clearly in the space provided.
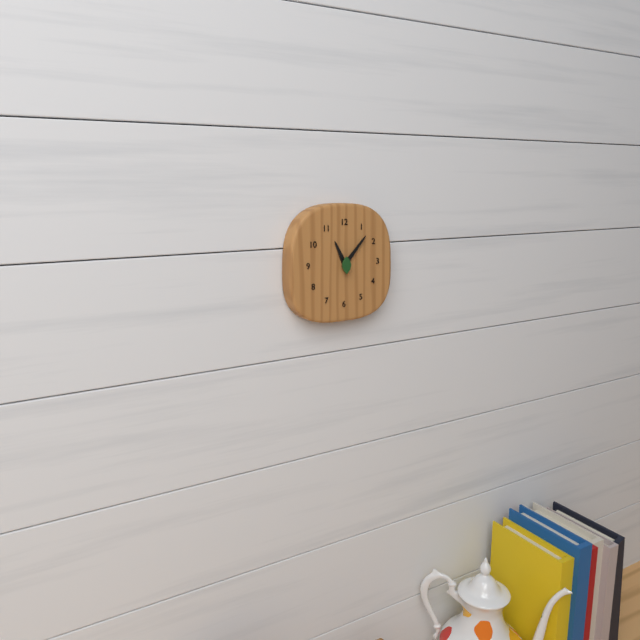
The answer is 11:07
